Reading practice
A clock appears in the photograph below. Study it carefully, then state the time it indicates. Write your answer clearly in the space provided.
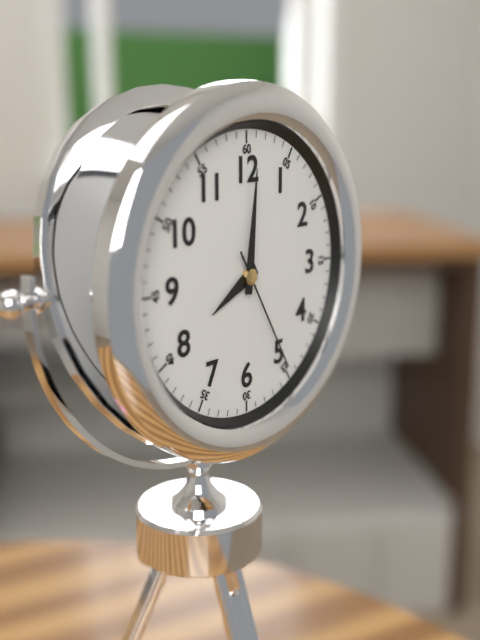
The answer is 8:01:25
